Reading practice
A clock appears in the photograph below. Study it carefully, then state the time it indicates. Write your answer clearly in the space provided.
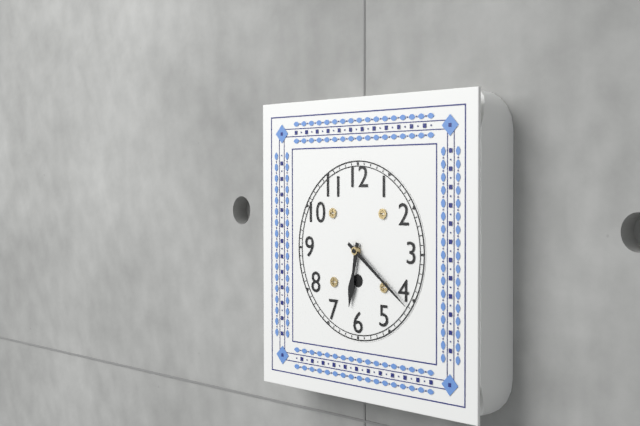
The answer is 6:21
